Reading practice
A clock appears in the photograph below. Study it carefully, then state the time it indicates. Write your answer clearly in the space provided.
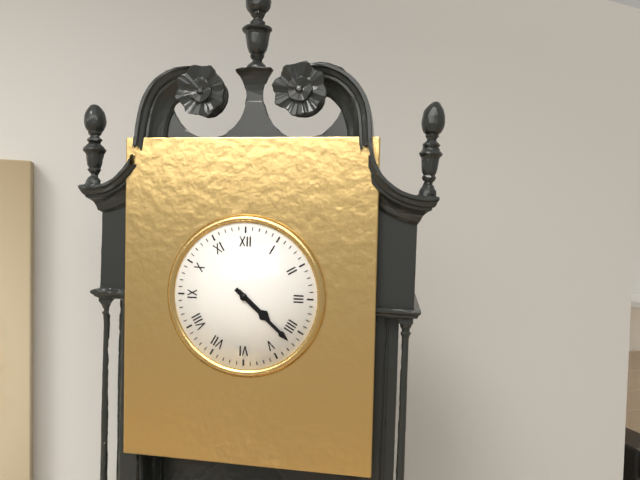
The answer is 4:22
